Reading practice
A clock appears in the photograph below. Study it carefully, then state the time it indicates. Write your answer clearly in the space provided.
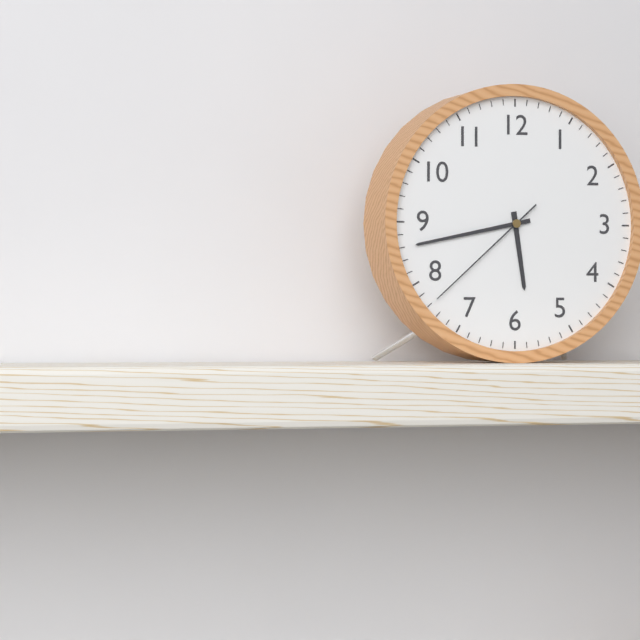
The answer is 5:43:38
